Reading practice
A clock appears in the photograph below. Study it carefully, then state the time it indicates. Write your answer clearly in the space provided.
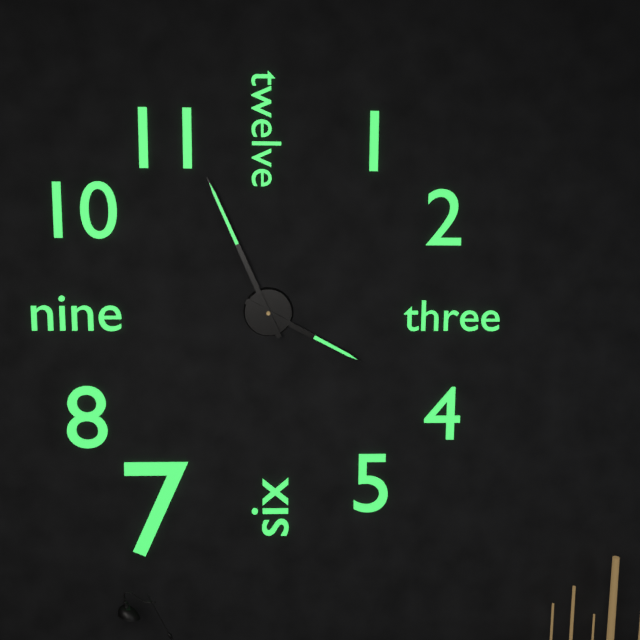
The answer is 3:56
